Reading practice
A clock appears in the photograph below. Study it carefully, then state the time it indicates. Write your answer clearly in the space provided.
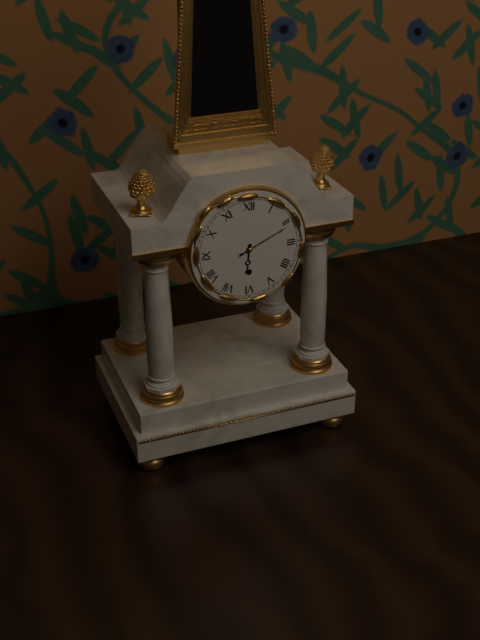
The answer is 6:11
